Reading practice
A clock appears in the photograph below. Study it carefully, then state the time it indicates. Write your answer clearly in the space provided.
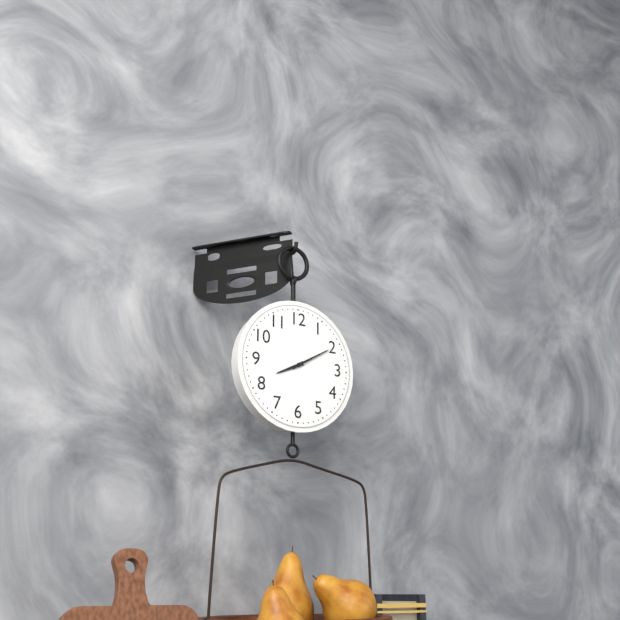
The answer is 8:10
